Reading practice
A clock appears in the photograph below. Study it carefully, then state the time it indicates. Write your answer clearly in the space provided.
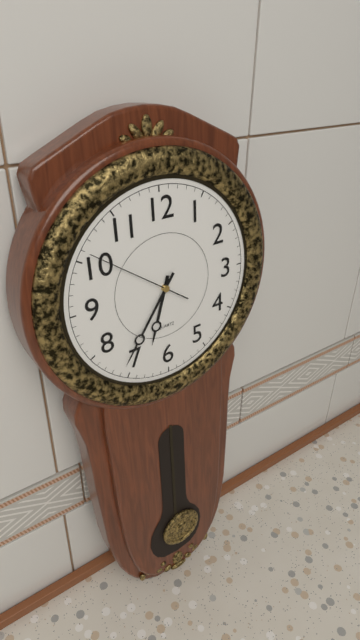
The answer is 6:36:51
